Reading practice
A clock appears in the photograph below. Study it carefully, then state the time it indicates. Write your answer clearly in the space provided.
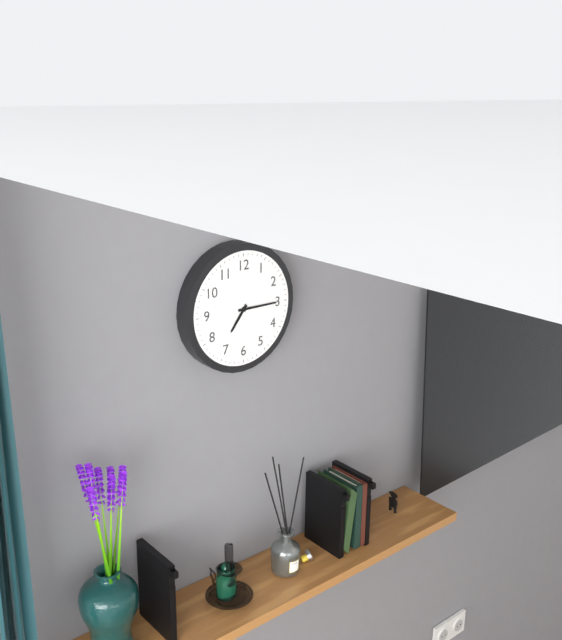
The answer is 7:15
